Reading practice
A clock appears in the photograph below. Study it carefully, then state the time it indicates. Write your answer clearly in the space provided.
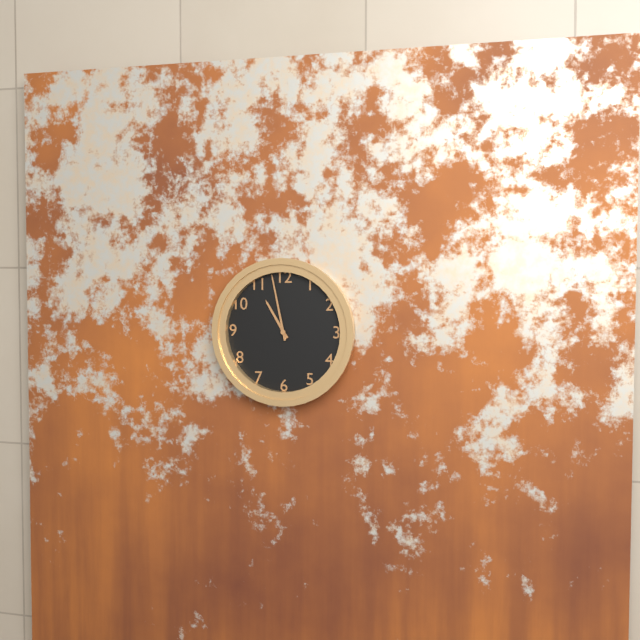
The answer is 10:58
